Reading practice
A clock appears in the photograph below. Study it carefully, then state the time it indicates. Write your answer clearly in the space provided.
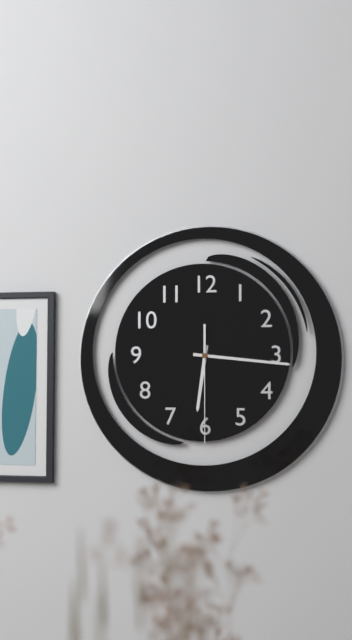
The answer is 6:16:30
